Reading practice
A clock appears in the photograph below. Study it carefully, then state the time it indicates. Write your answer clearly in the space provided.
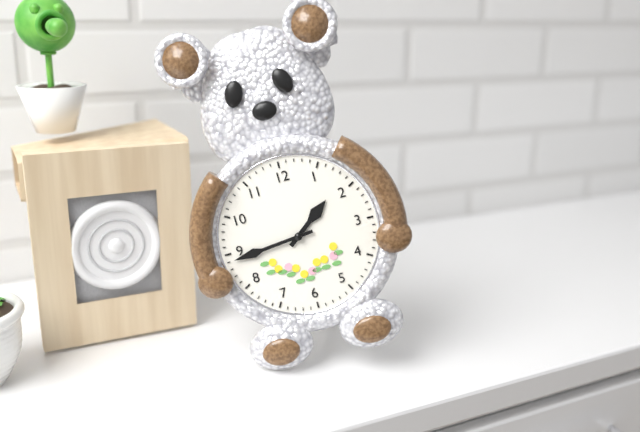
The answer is 1:44
